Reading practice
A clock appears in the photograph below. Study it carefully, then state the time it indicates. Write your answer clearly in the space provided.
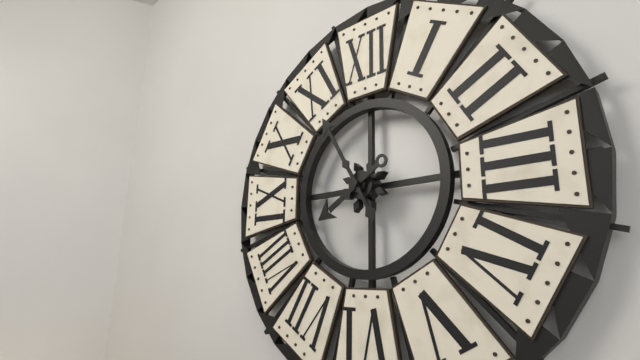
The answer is 7:55
